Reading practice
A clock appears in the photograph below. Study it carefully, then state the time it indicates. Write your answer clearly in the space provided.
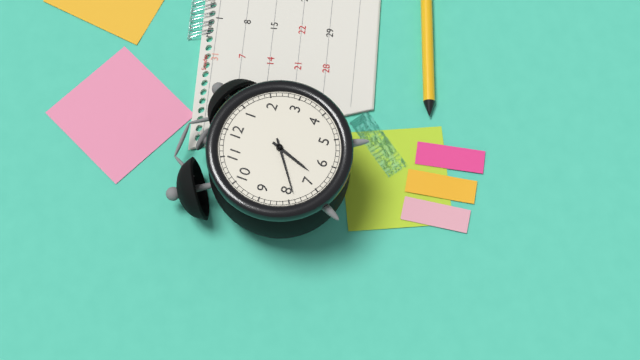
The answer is 6:39
